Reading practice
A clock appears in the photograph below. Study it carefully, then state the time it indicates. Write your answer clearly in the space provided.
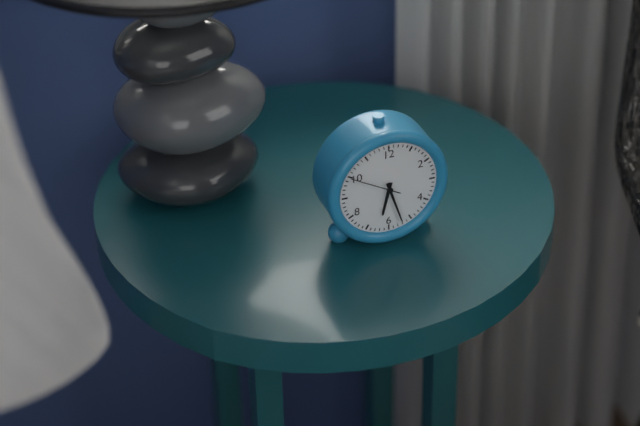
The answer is 6:27:50
